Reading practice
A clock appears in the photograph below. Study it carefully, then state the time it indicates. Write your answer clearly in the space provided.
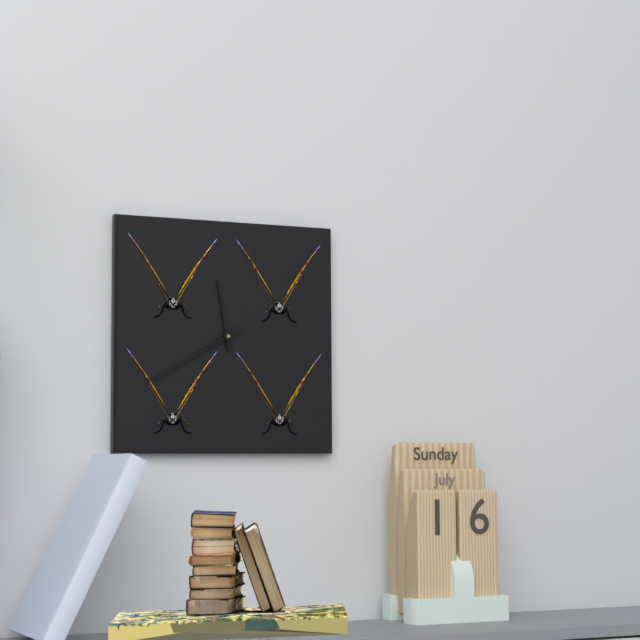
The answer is 11:40
